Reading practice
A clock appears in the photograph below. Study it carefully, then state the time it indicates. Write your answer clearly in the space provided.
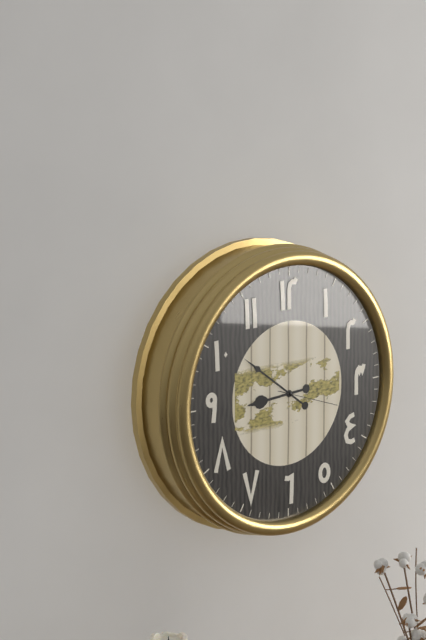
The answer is 8:51:18
